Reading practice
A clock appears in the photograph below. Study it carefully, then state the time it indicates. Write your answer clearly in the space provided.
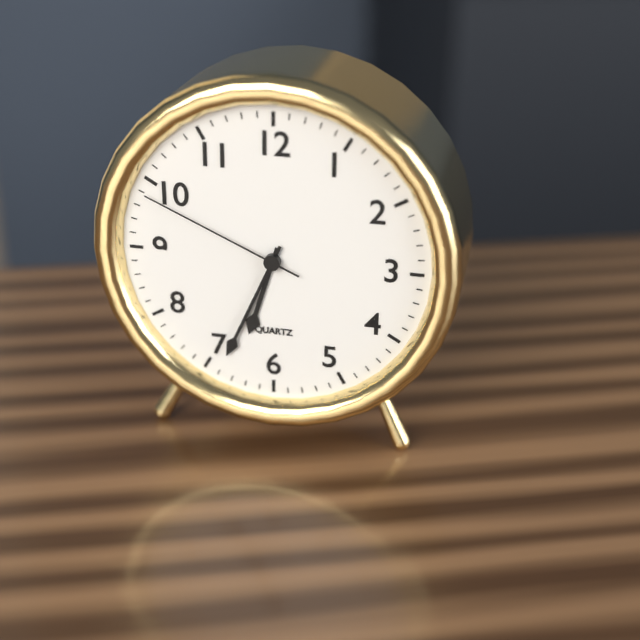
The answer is 6:34:49
